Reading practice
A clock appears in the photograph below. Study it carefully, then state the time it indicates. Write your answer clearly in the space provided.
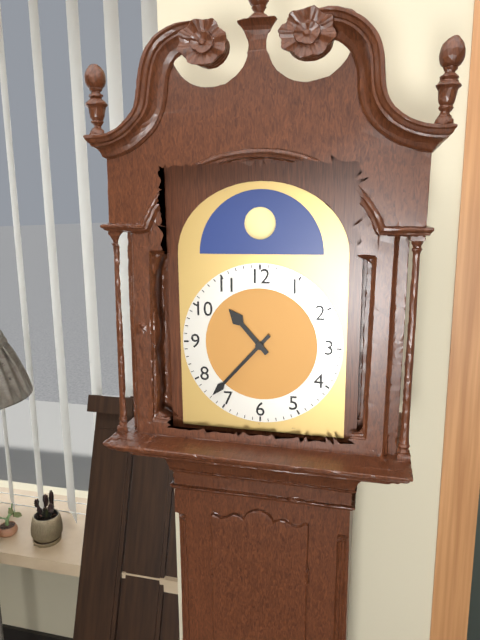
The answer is 10:37
